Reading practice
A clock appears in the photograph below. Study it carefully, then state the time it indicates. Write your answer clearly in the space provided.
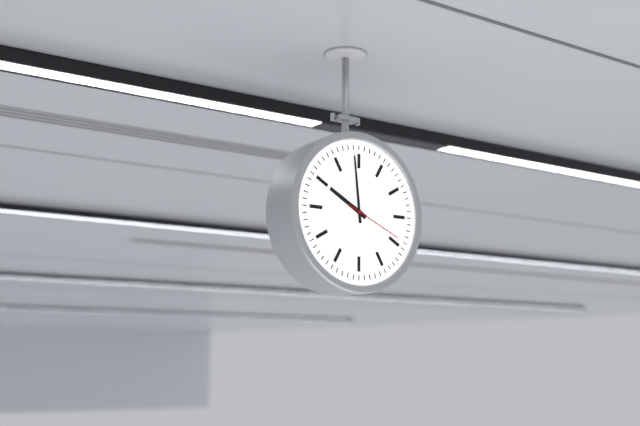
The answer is 9:59:19
